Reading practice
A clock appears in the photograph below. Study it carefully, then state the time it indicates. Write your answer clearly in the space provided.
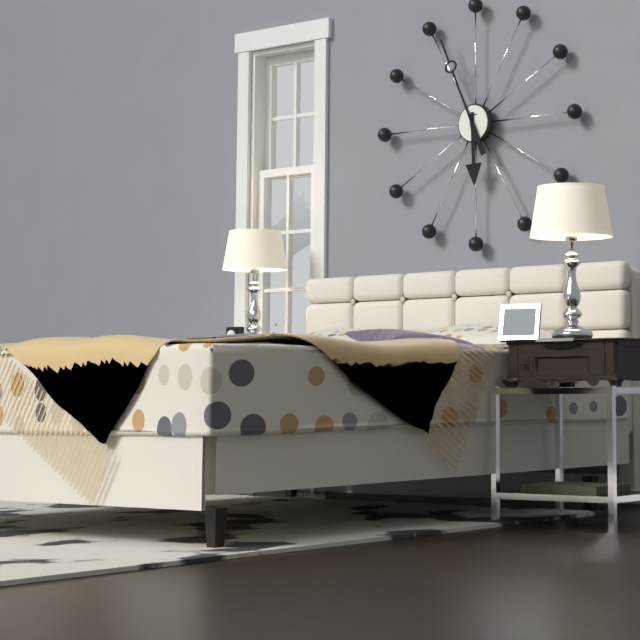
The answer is 5:56
